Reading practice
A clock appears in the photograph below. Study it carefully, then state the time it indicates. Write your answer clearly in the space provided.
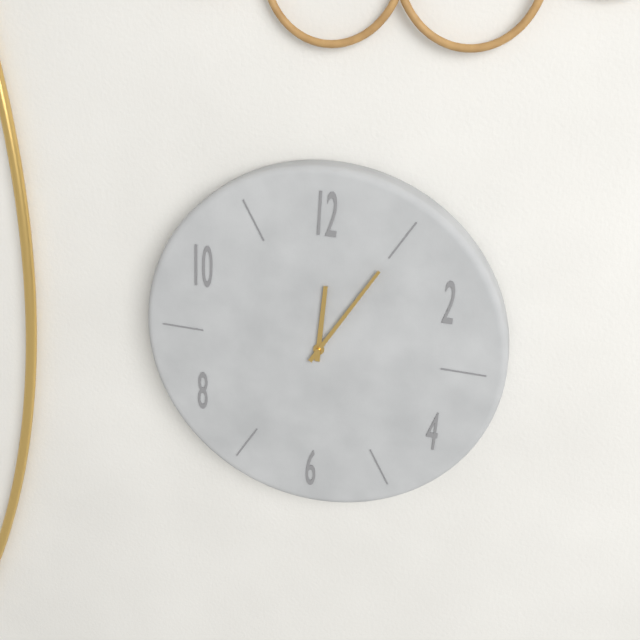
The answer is 12:05
